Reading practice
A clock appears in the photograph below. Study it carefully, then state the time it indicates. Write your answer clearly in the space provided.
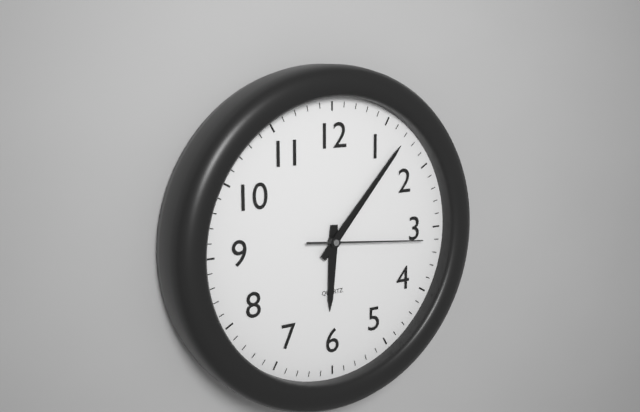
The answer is 6:07:16
